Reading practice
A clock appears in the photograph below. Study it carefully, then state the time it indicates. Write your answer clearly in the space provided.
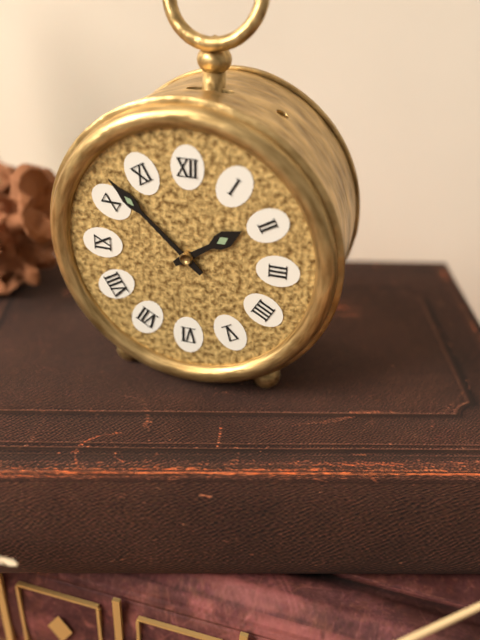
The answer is 1:52
